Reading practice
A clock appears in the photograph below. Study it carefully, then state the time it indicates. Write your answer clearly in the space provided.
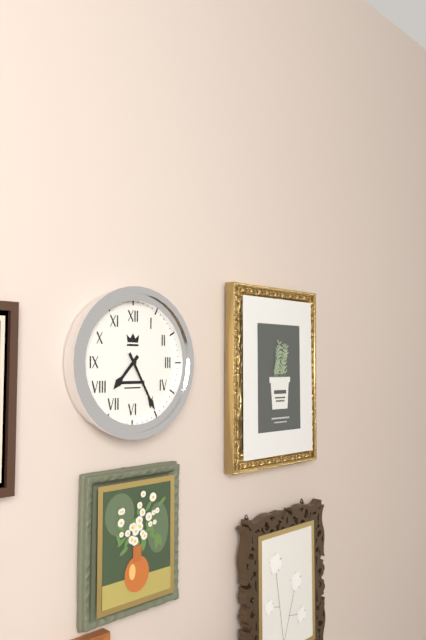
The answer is 7:25
